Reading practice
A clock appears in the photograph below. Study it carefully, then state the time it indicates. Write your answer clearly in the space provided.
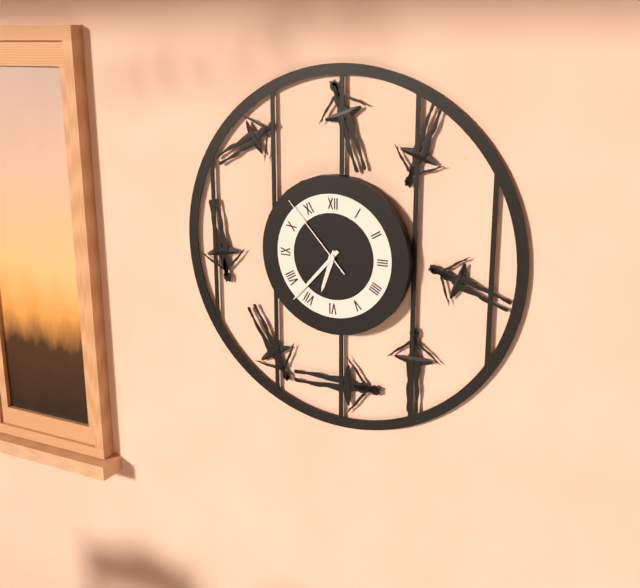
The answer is 6:37:53
